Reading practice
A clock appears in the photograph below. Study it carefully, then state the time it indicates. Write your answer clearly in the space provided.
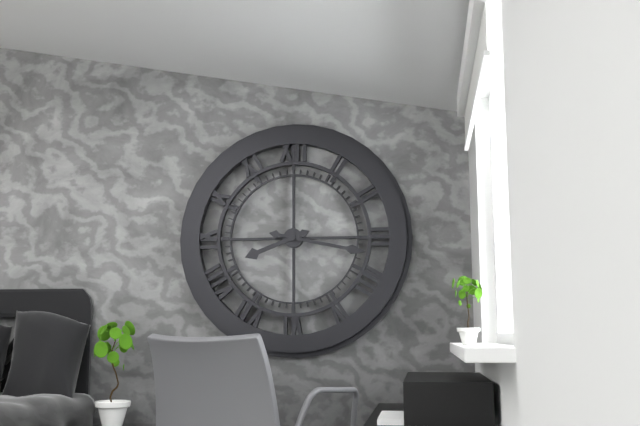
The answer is 8:17
